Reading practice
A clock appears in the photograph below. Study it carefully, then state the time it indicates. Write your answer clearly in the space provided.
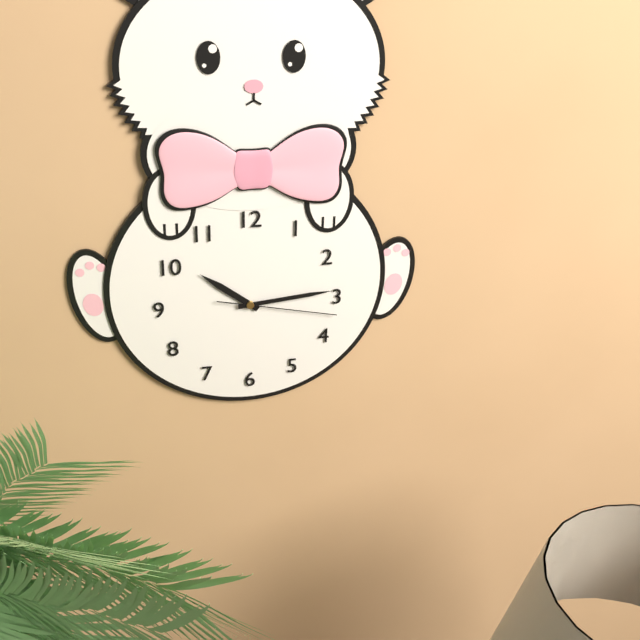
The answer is 10:14:17
